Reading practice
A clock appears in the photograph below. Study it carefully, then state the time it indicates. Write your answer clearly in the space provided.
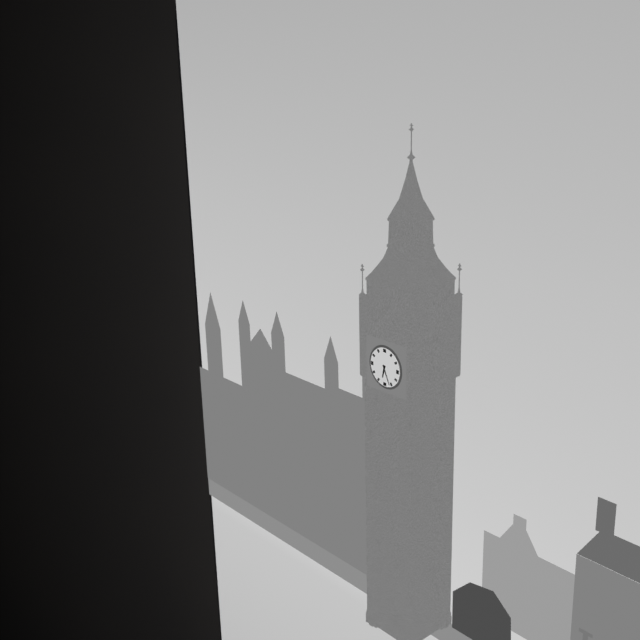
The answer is 6:26
